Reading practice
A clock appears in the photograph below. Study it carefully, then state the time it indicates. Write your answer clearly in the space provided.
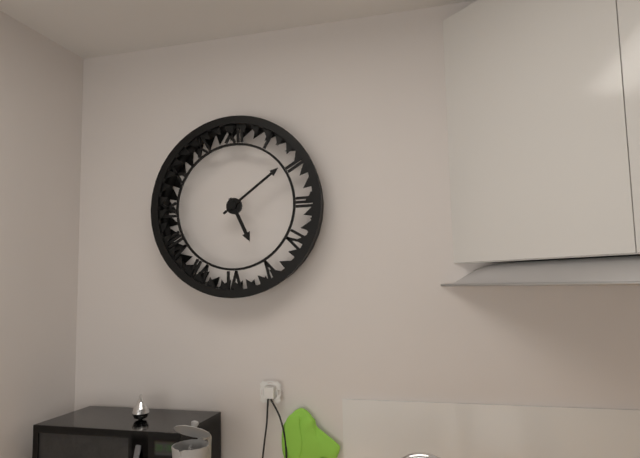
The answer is 5:09
